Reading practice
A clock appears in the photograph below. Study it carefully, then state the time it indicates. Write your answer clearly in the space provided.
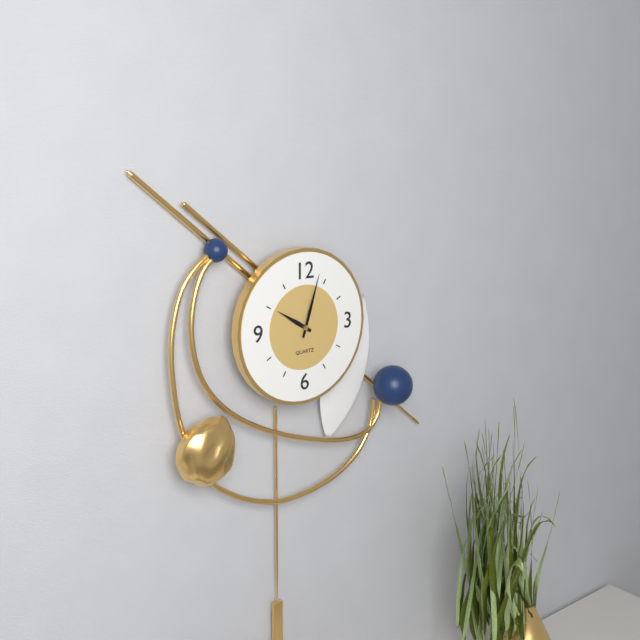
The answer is 10:03
